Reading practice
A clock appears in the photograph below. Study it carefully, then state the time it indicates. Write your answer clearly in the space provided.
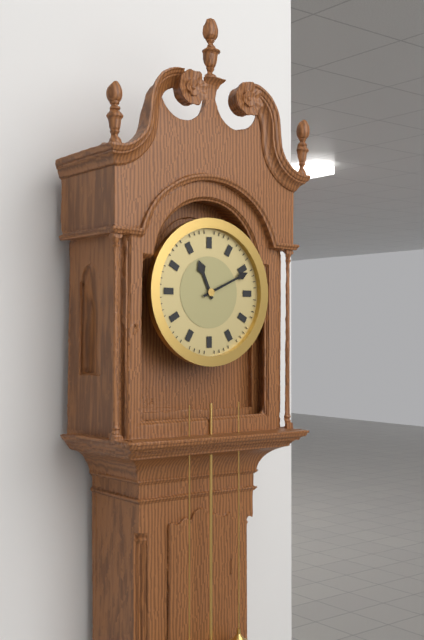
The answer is 11:11
